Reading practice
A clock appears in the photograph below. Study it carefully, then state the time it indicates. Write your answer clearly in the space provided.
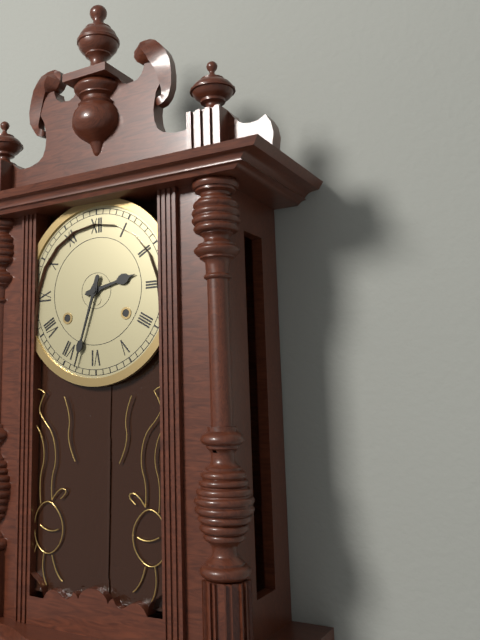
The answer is 2:33
